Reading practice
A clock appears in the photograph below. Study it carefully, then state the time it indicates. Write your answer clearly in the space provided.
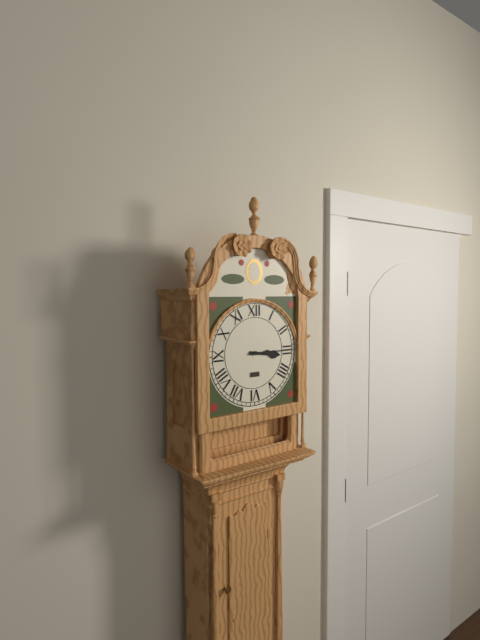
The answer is 3:15
